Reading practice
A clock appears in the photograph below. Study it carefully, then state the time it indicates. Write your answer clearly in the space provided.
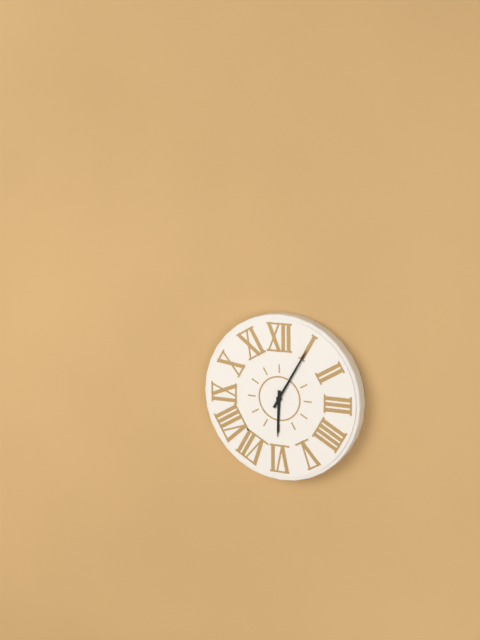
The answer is 6:05
